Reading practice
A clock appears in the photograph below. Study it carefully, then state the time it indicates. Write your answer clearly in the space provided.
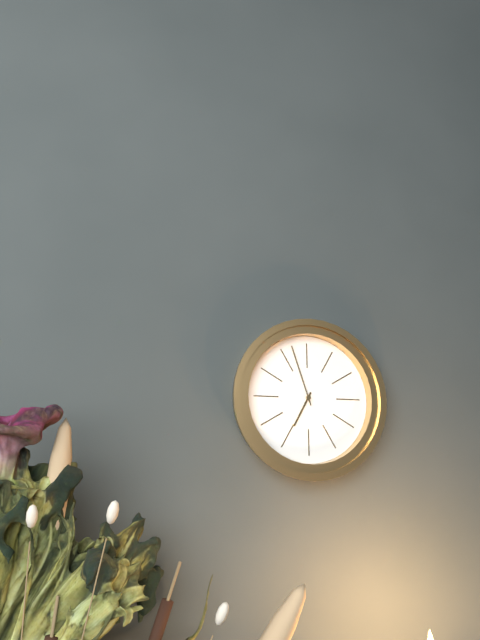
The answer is 6:57
